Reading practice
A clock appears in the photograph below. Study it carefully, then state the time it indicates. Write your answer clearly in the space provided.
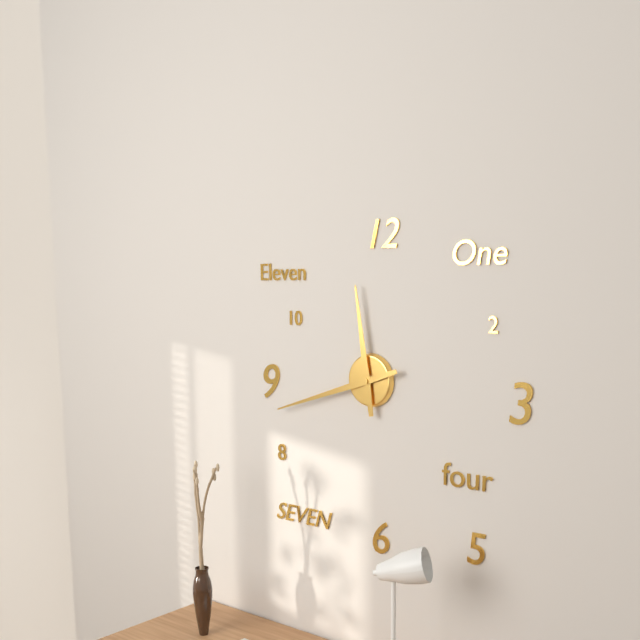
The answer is 11:42
